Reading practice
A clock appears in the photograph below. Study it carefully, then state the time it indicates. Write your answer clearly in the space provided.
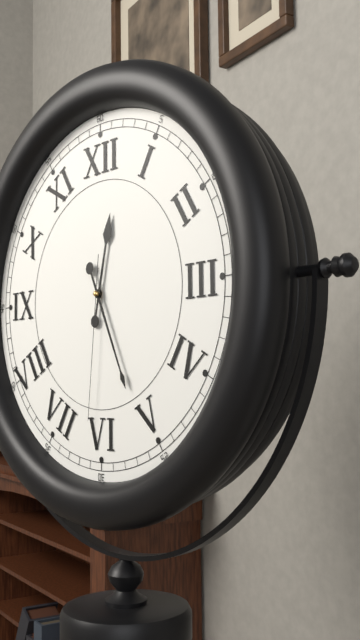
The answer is 12:26:31
